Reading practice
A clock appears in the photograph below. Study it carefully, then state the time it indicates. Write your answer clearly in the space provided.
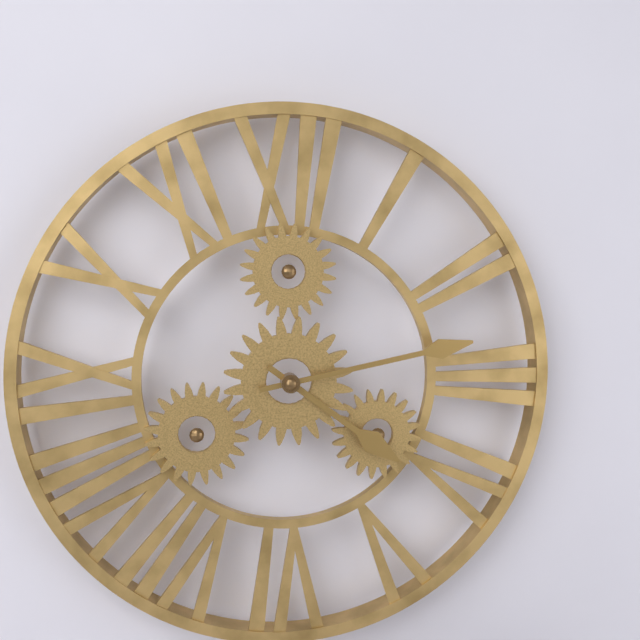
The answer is 4:13
